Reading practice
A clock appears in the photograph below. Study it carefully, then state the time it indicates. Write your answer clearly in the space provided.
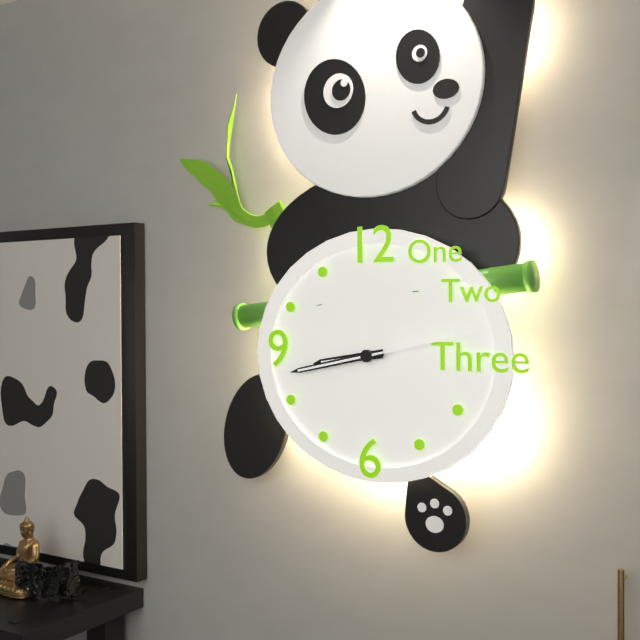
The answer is 8:43:13
